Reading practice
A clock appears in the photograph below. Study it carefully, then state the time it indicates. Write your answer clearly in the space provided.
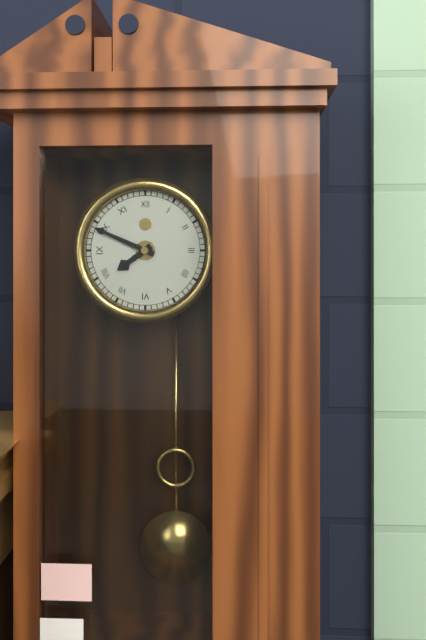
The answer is 7:49
